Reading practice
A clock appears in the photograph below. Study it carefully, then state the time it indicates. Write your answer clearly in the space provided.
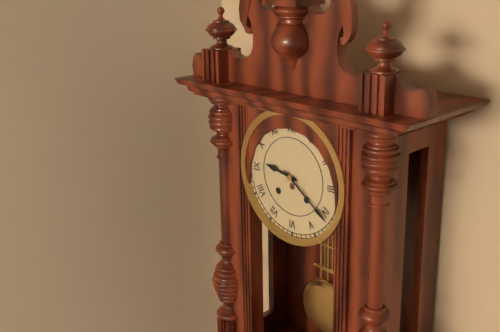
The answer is 9:21
